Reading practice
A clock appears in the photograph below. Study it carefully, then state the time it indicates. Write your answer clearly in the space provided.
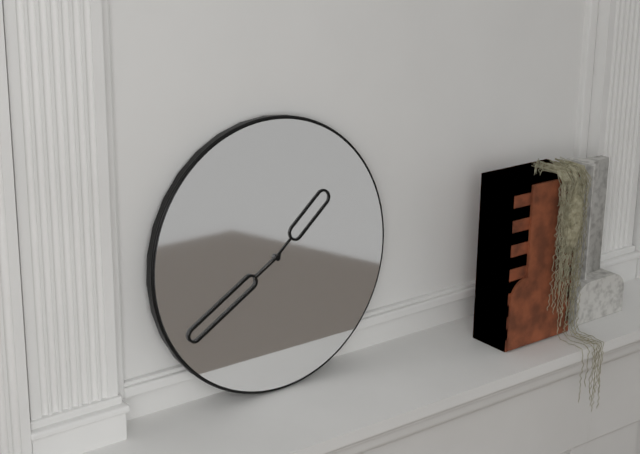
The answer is 1:40
